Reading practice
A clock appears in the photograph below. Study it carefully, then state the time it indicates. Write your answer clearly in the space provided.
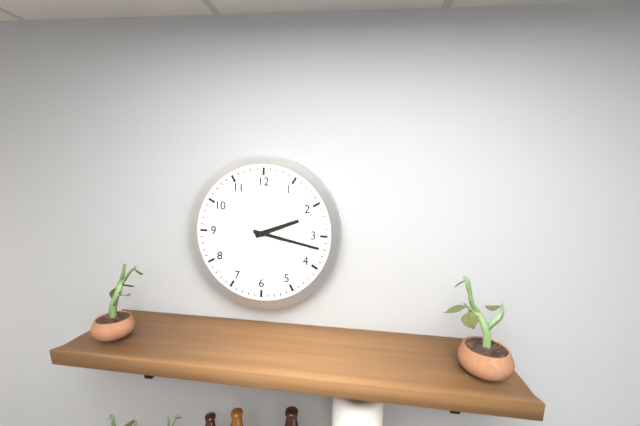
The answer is 2:17
